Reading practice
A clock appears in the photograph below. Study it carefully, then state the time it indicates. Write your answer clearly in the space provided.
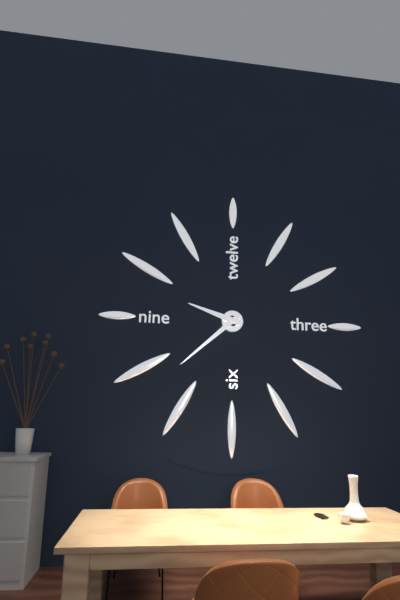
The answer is 9:38
